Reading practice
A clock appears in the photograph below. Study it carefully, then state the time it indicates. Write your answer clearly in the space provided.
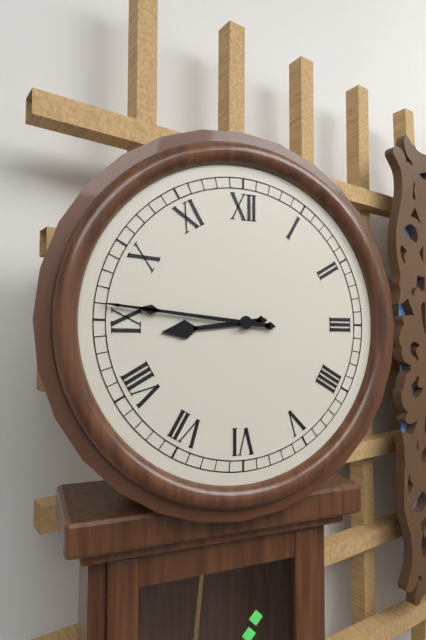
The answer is 8:46
